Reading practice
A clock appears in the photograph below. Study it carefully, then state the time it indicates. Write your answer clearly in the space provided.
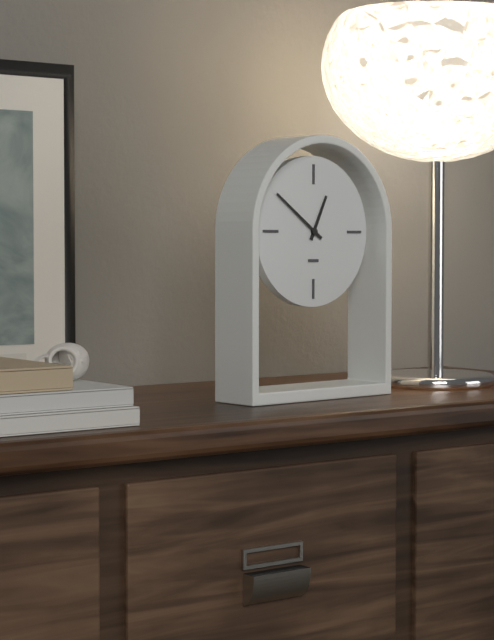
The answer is 12:51
